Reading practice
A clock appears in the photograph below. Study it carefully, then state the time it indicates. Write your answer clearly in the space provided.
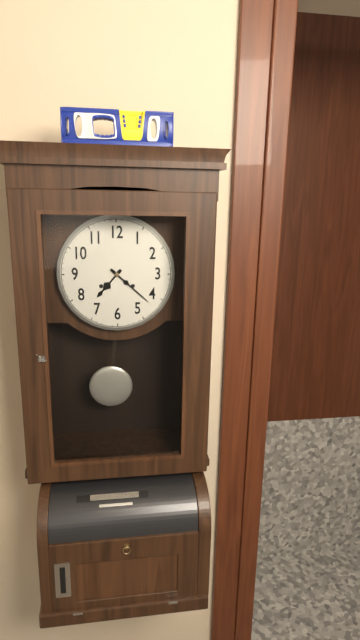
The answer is 7:22
